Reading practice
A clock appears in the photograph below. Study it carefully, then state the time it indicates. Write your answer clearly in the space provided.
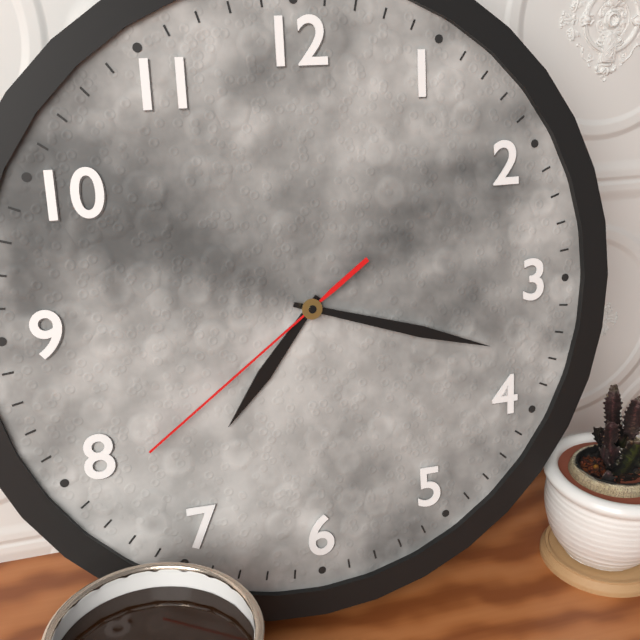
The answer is 7:18:39
